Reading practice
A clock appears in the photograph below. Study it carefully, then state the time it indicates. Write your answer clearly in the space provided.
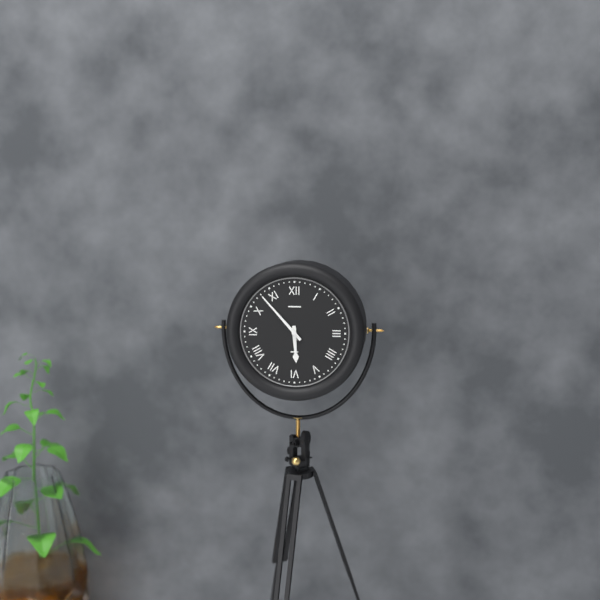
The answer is 5:53
